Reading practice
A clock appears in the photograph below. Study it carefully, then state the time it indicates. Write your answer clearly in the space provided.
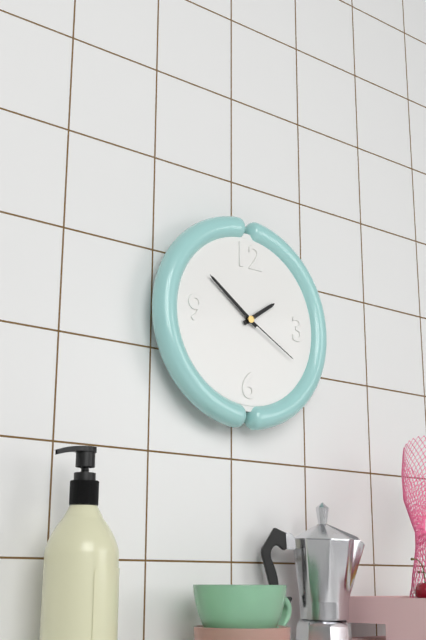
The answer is 1:51:20
